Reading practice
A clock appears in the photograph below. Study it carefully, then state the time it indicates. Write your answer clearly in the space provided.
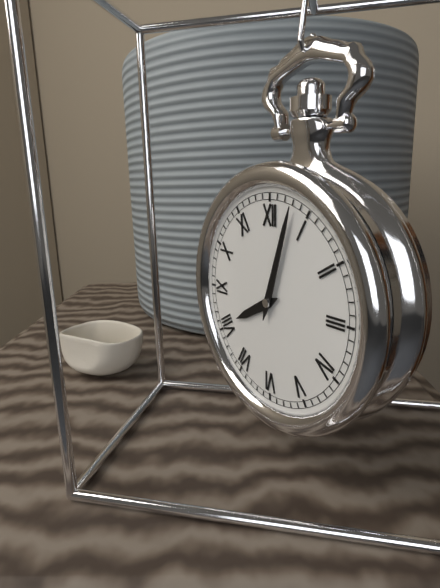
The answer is 8:03
